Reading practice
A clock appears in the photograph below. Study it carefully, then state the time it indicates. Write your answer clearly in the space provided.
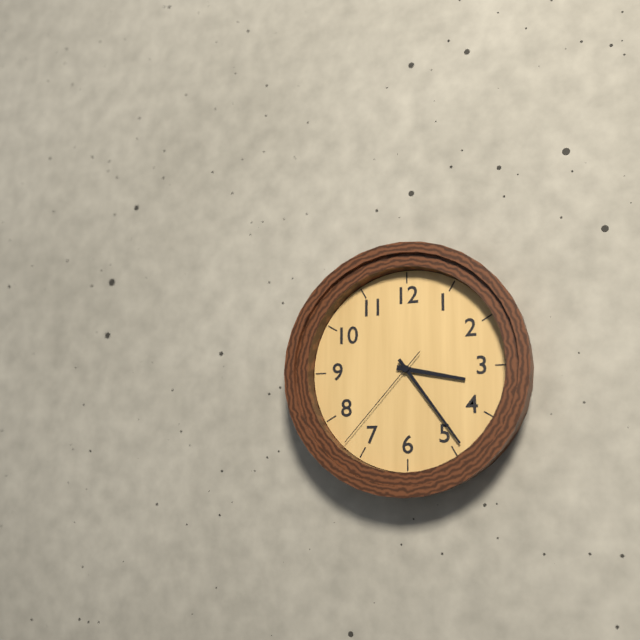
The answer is 3:24:37
